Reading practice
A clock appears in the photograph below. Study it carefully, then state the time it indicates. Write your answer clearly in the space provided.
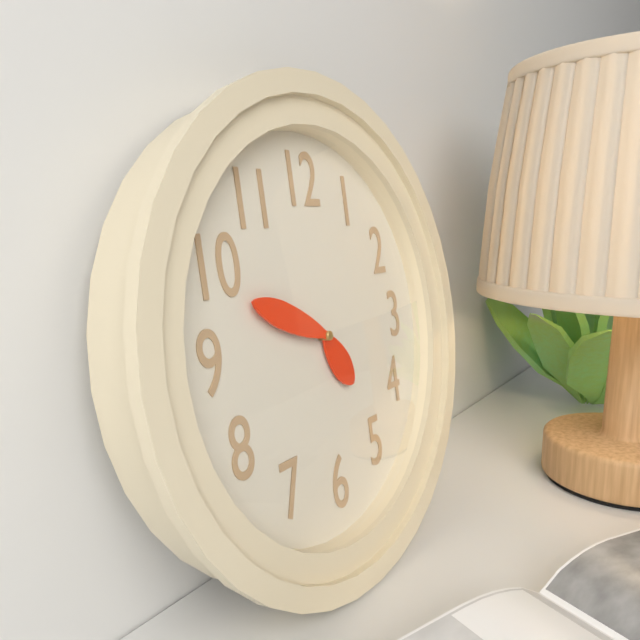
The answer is 4:49
